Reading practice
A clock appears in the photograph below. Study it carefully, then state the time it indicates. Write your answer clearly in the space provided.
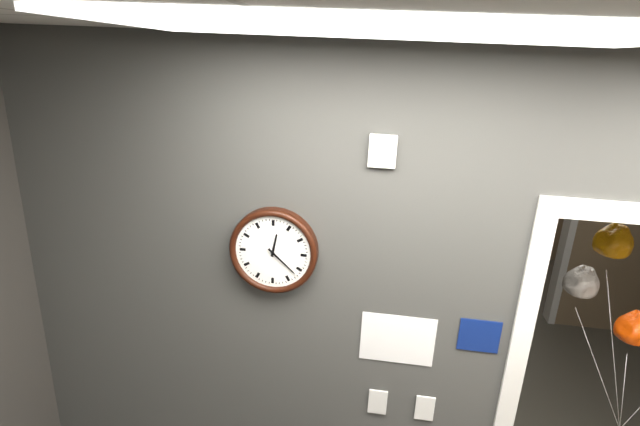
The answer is 12:22
